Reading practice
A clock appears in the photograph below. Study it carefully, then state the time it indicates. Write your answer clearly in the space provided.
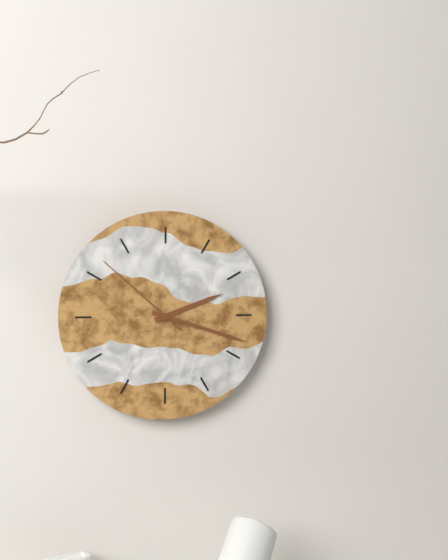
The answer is 2:18:52
